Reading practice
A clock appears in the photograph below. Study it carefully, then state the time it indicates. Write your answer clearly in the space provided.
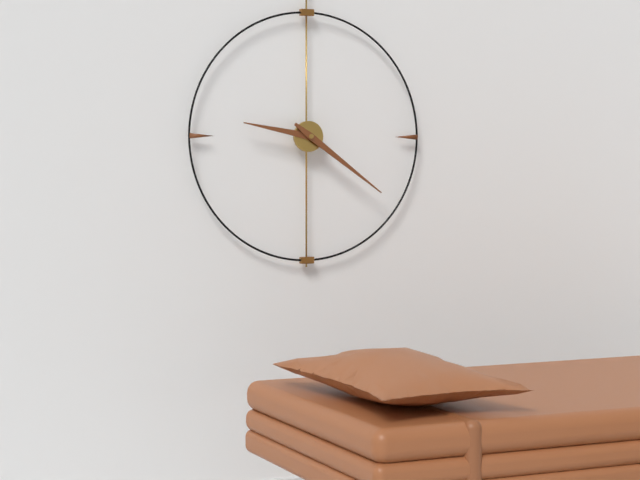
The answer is 9:21
